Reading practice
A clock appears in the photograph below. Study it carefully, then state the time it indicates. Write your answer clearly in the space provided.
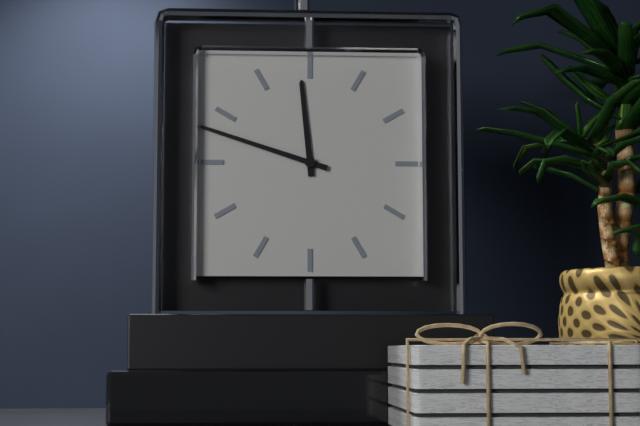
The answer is 11:48
